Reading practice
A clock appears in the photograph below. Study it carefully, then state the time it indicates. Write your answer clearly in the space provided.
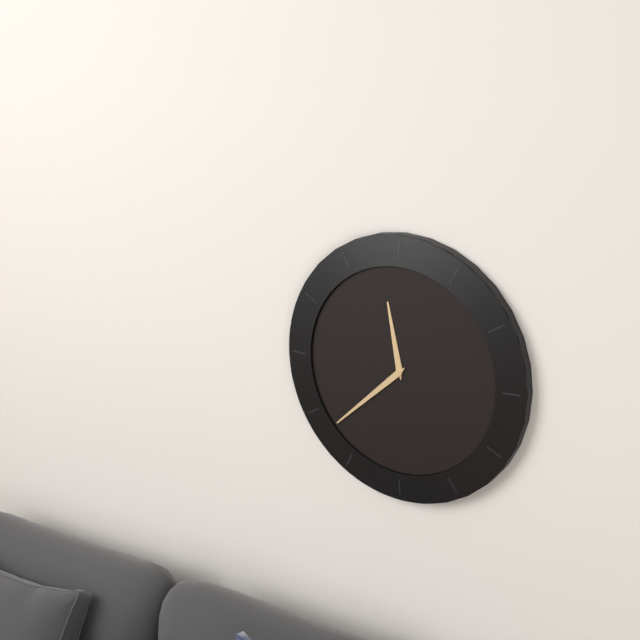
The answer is 11:38
